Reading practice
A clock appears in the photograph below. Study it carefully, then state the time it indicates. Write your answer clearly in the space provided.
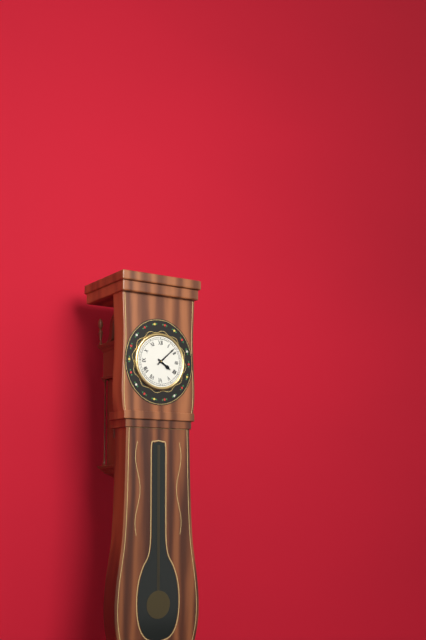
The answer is 4:08
